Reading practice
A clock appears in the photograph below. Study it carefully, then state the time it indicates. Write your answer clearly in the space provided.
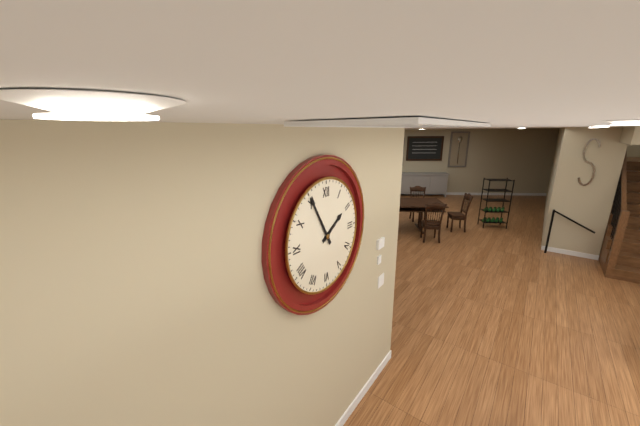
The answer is 1:55
